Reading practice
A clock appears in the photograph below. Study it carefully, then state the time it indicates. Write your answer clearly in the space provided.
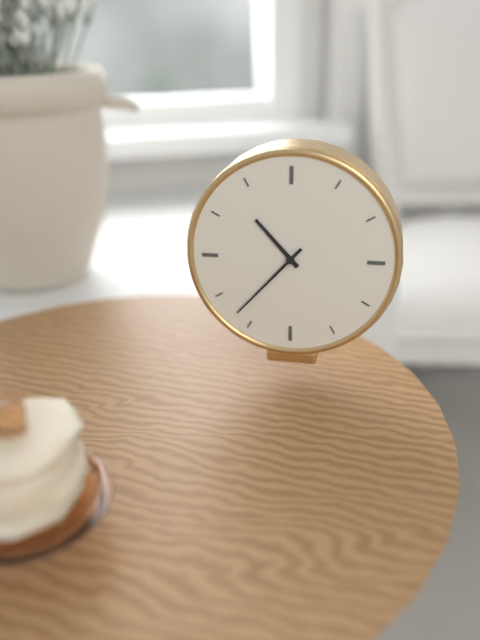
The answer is 10:37
